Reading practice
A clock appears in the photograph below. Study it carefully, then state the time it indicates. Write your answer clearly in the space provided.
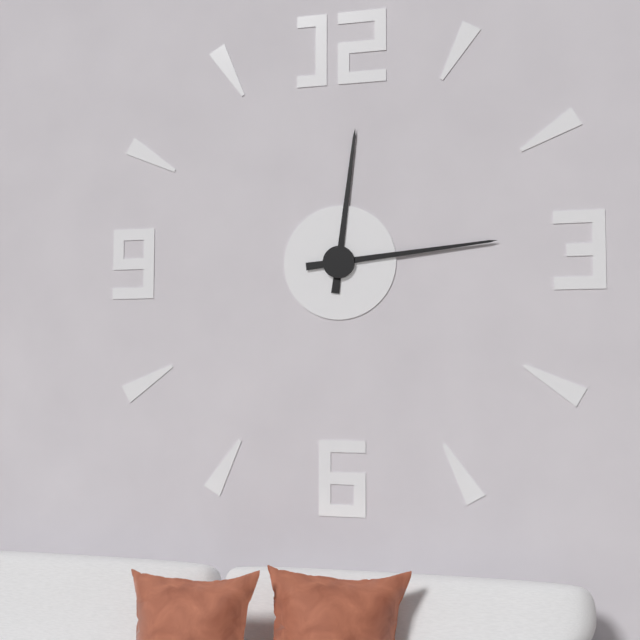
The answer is 12:14
